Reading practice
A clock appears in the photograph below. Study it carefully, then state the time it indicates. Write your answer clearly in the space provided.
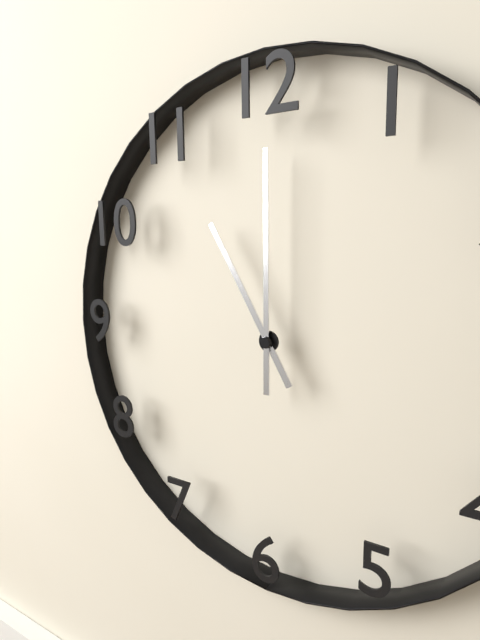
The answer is 11:00
